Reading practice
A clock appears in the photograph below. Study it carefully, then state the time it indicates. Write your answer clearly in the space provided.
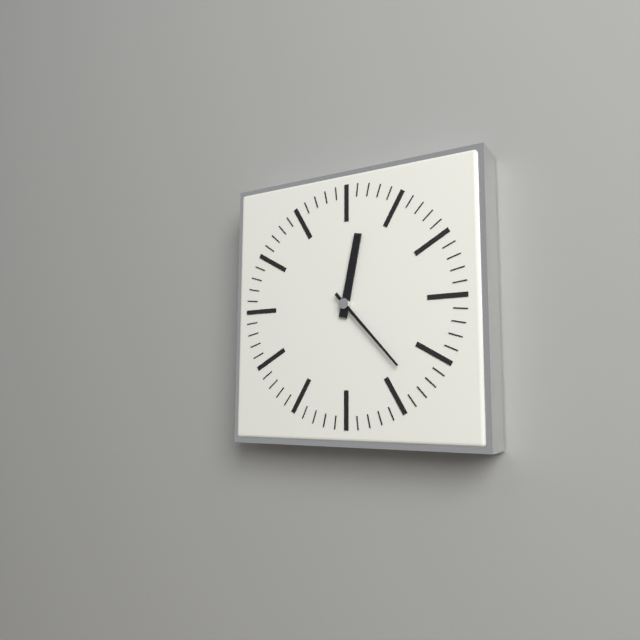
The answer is 12:23
